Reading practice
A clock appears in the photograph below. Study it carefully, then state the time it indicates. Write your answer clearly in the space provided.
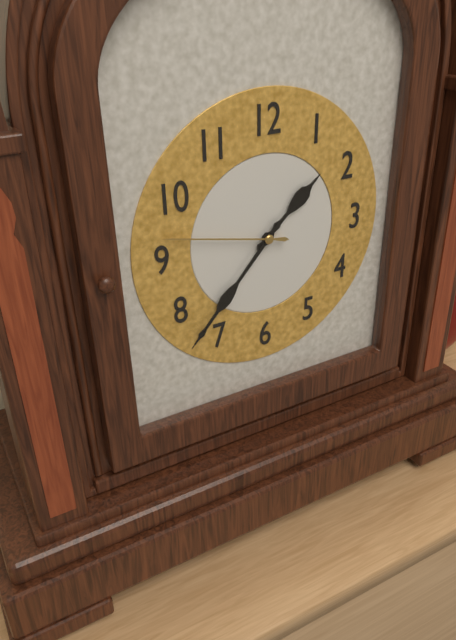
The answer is 1:37:47
